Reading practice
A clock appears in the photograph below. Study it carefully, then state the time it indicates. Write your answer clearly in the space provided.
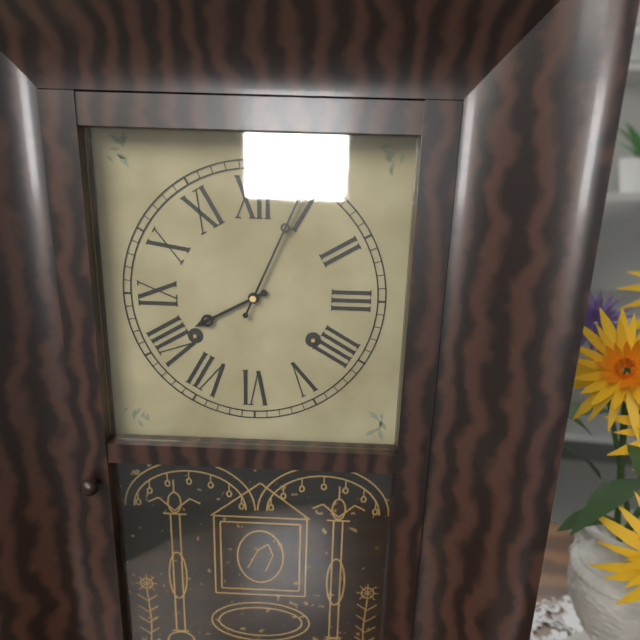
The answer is 8:04
